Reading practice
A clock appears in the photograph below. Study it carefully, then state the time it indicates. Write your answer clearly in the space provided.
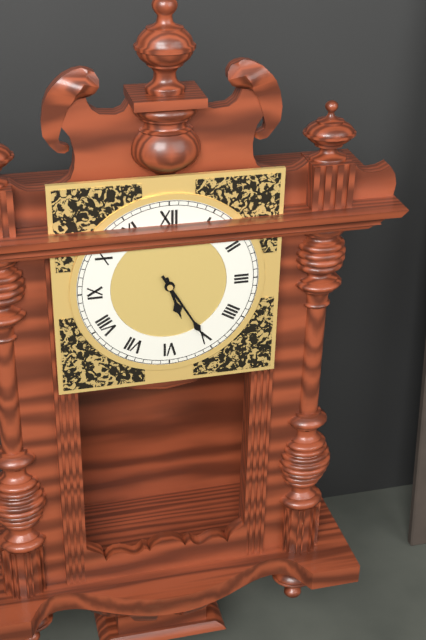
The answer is 5:25
